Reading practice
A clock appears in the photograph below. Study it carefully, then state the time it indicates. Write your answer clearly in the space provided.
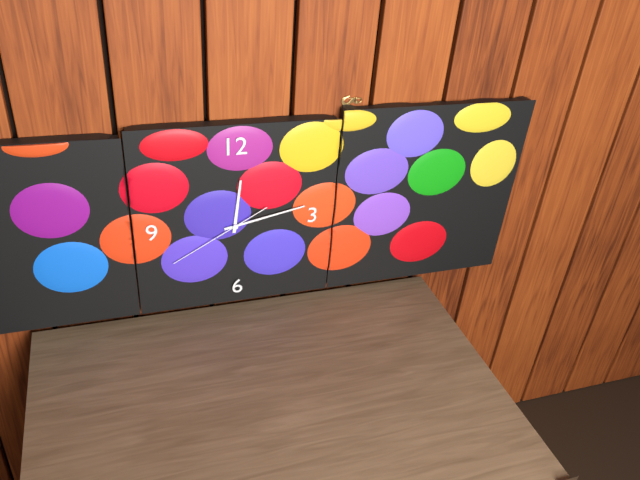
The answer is 12:13:40
